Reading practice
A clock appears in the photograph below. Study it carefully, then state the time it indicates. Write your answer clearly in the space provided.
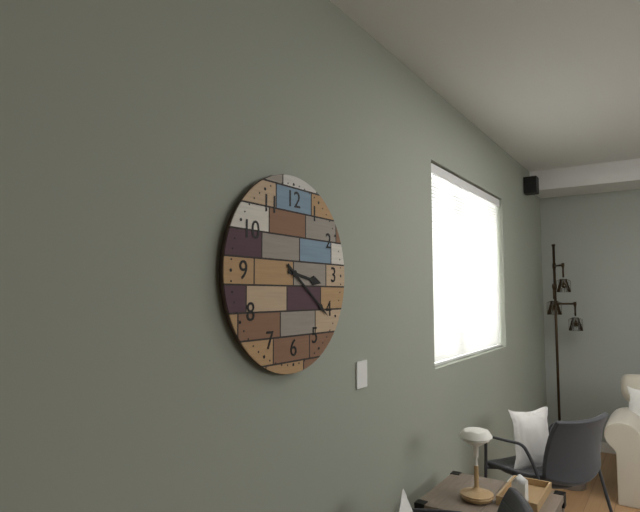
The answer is 3:21
